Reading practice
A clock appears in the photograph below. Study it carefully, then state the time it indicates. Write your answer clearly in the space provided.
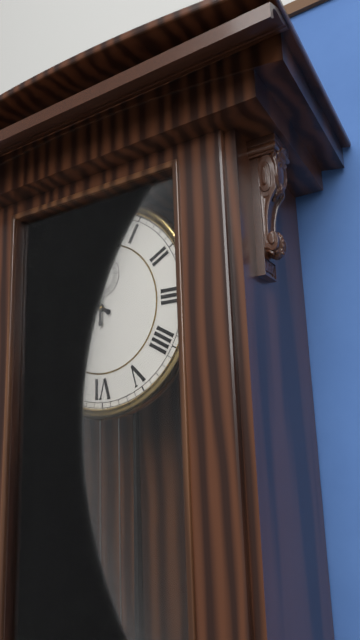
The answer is 10:00
